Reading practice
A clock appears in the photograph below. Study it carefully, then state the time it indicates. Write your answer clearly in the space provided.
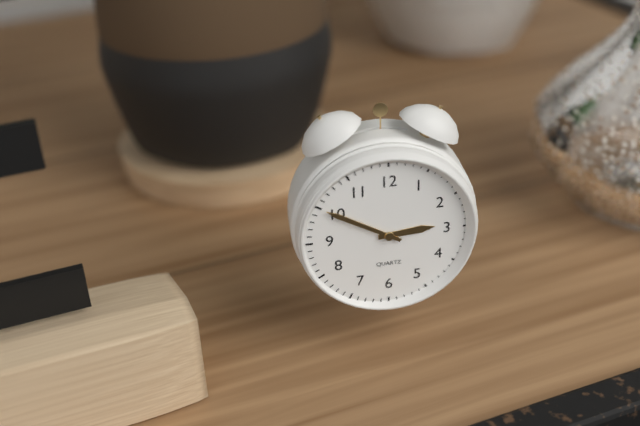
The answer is 2:50
